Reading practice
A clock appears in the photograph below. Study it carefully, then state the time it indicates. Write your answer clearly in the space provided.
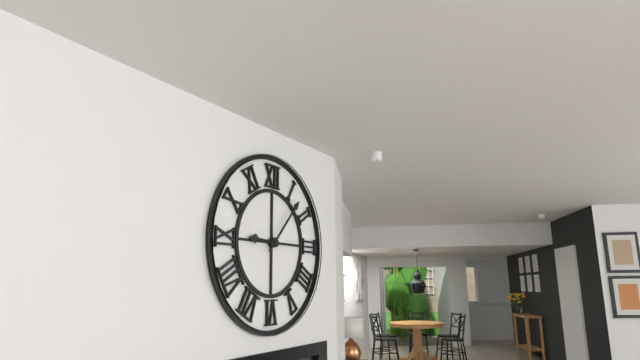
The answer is 9:07
